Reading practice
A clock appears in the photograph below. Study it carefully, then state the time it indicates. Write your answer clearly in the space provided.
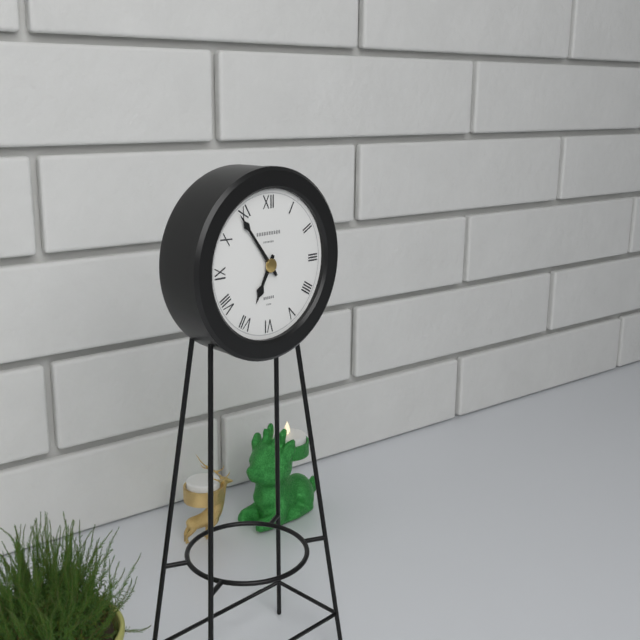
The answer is 6:54
